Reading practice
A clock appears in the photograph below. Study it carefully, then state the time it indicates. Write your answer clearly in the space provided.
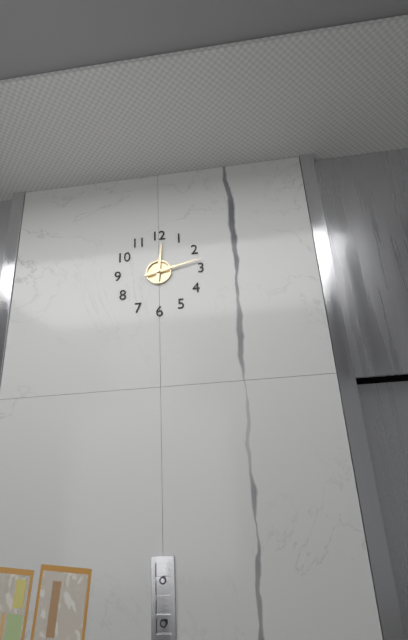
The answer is 12:13
